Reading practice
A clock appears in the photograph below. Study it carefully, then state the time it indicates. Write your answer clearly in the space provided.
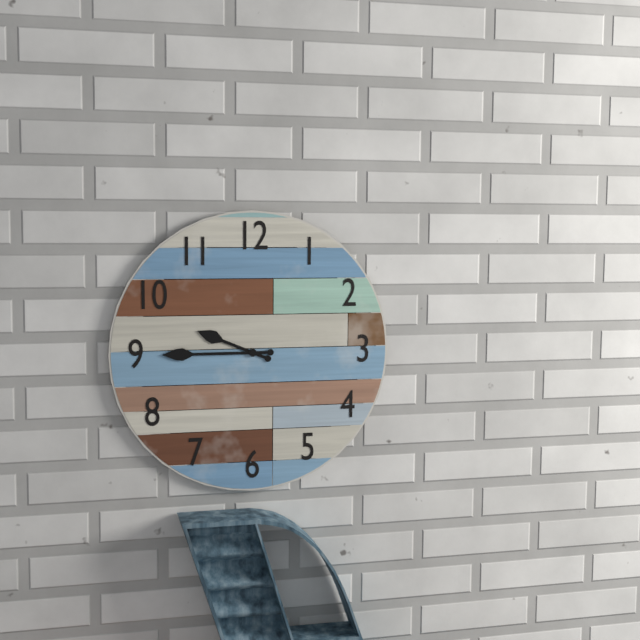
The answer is 9:45
